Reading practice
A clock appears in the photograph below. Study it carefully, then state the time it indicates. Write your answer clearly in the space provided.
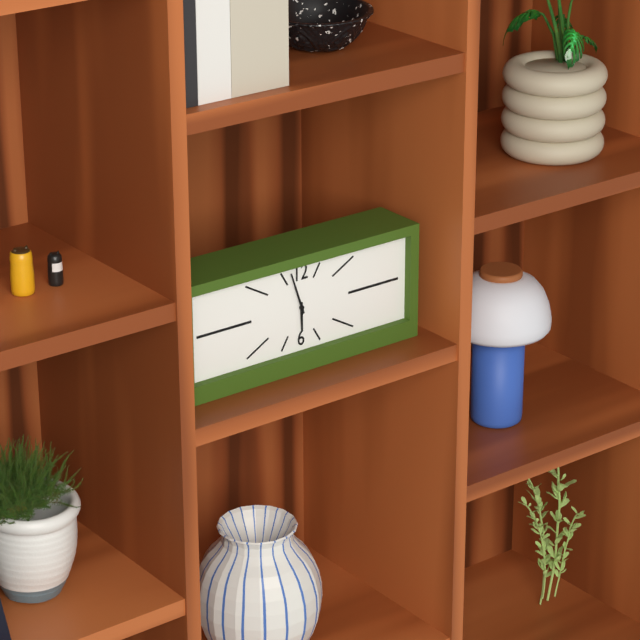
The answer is 5:57
